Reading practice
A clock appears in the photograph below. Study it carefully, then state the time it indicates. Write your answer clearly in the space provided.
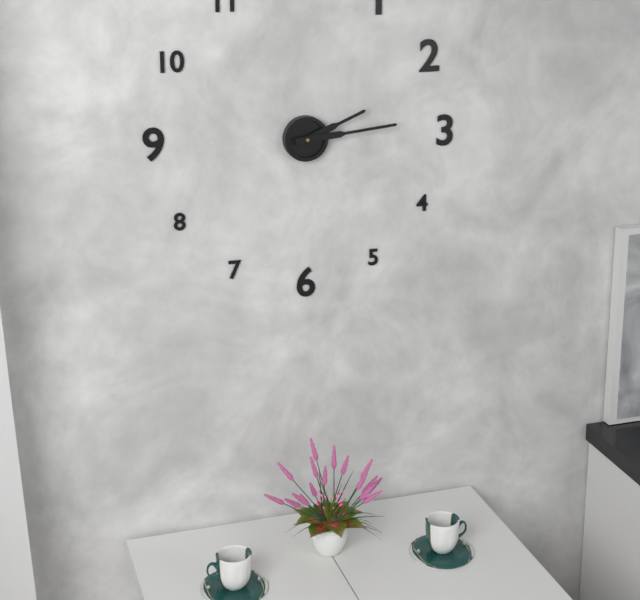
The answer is 2:14
